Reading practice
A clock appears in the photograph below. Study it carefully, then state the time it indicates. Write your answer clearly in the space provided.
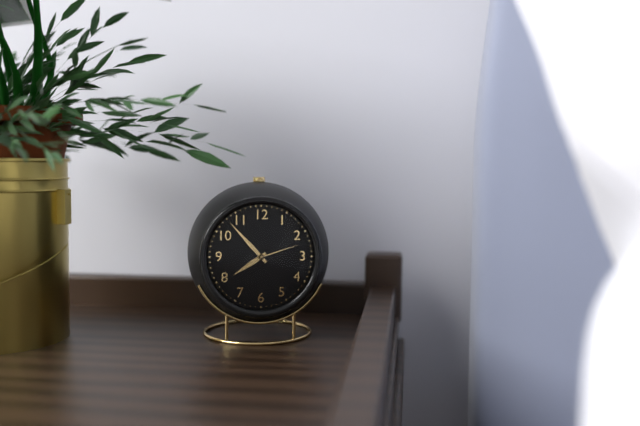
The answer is 7:53:12
